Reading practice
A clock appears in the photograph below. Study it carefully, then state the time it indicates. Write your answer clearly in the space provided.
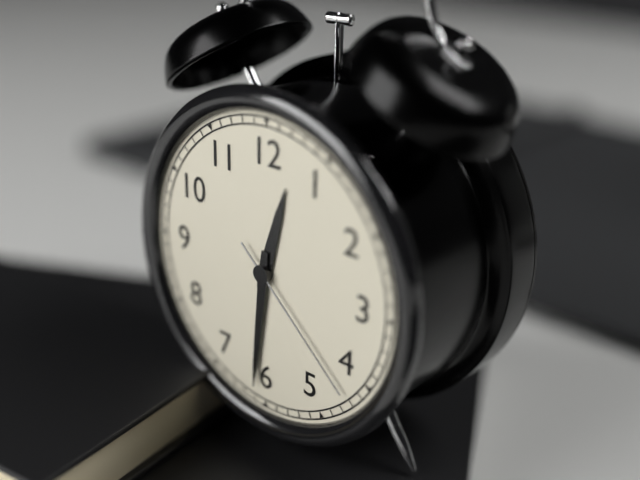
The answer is 12:31:22
